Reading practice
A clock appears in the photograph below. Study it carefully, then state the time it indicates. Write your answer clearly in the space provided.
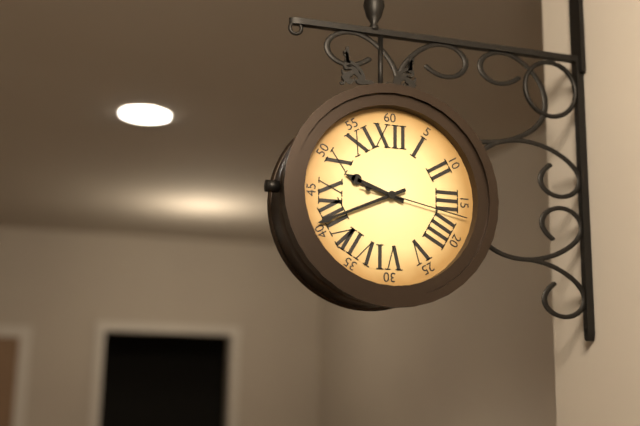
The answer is 9:41:17
